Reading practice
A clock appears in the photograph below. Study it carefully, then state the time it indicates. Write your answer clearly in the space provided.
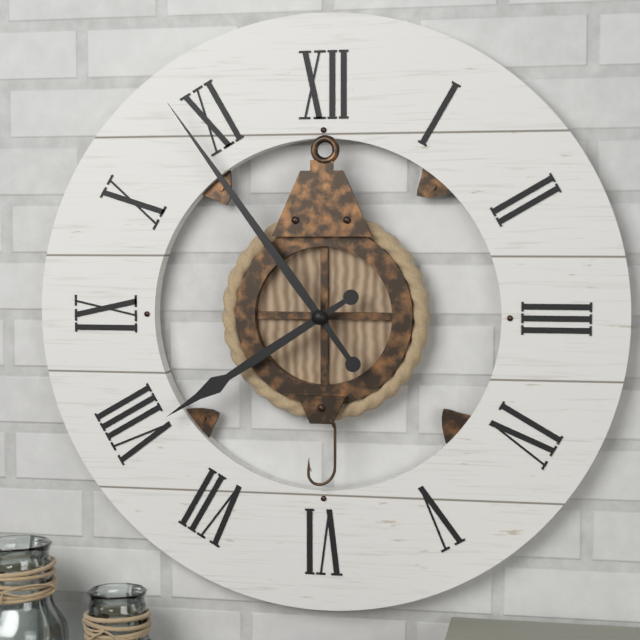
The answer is 7:54
